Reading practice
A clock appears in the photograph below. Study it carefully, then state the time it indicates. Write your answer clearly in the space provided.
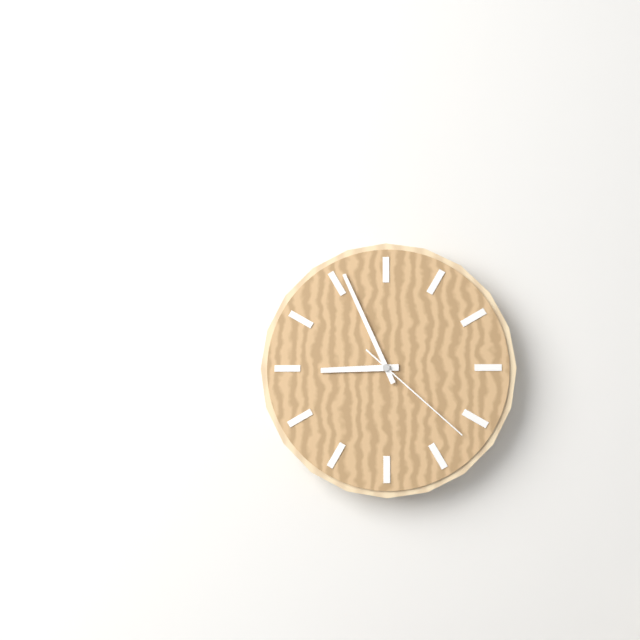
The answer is 8:56:22
